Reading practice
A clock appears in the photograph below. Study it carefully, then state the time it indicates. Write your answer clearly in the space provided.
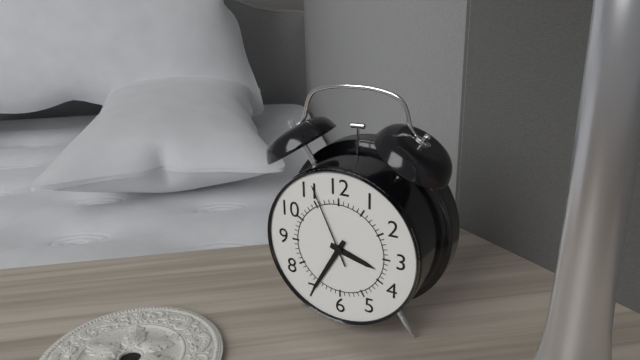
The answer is 3:35:56
